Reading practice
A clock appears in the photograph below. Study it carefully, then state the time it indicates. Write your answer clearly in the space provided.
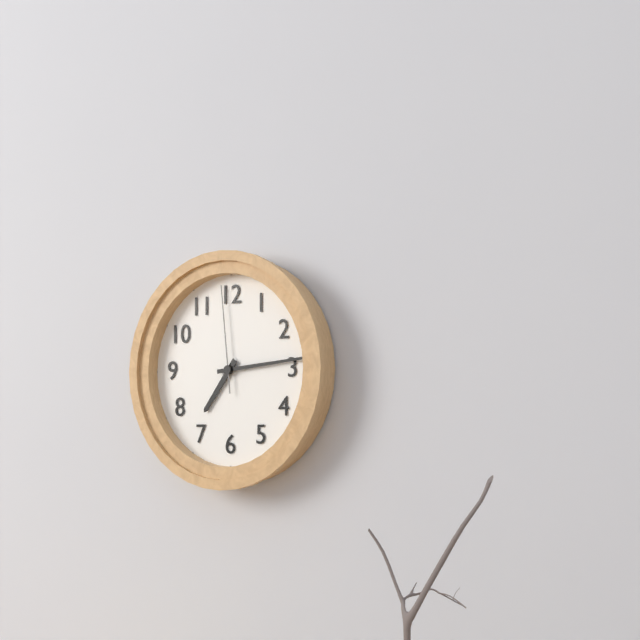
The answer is 7:14:59
